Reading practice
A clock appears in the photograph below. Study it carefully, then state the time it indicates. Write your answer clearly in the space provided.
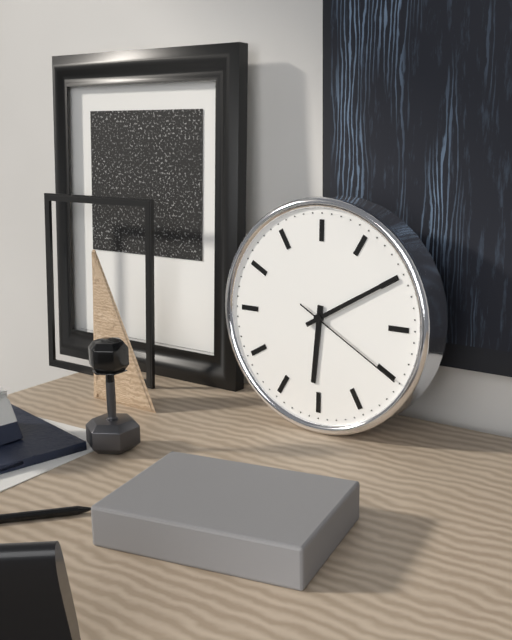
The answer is 6:10:20
